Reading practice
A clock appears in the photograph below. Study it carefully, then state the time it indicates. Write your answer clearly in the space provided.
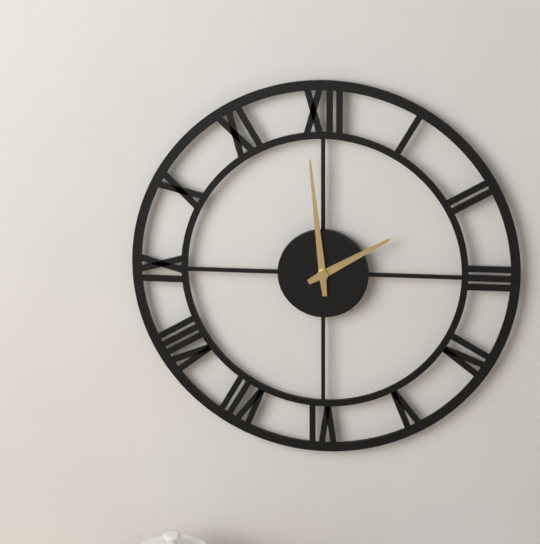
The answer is 1:59
